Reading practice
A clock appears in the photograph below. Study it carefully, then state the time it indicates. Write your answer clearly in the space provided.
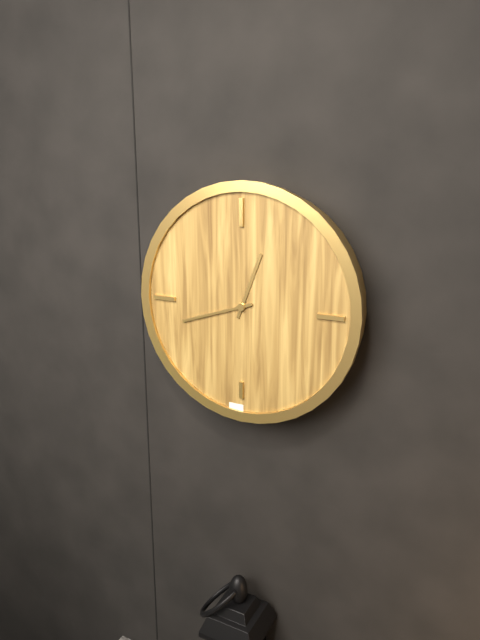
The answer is 12:42
